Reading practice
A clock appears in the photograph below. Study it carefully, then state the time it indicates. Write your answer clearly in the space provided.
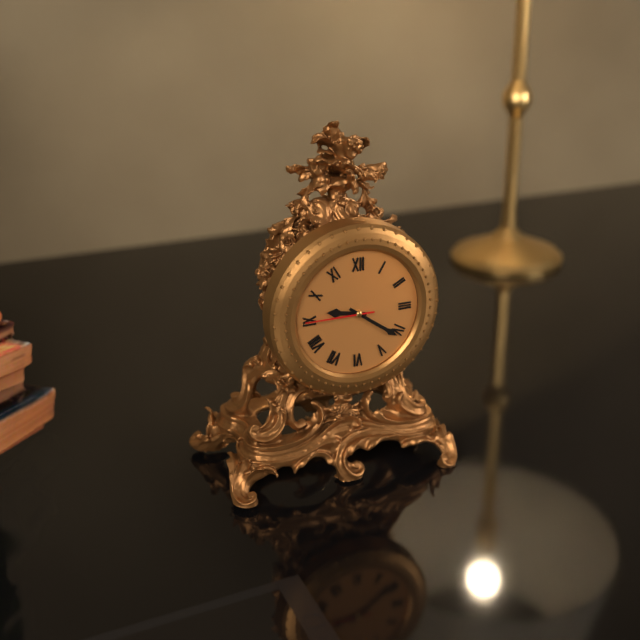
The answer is 9:21:45
